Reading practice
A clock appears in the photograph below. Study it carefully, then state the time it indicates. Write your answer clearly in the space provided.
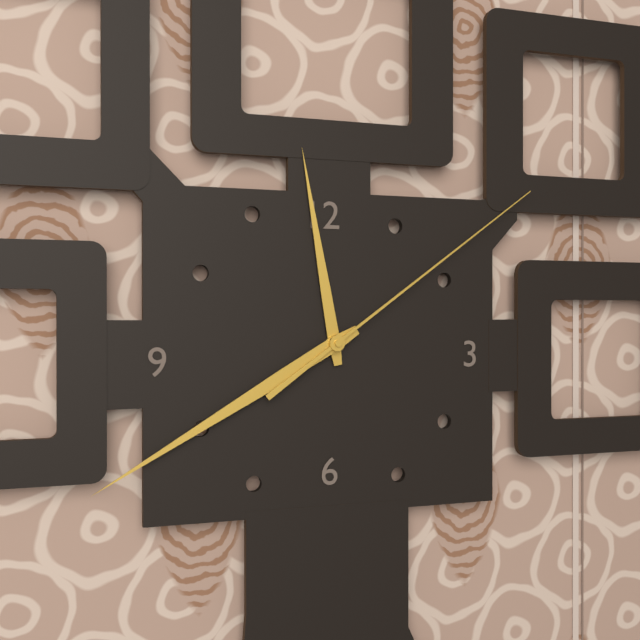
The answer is 11:40:09
